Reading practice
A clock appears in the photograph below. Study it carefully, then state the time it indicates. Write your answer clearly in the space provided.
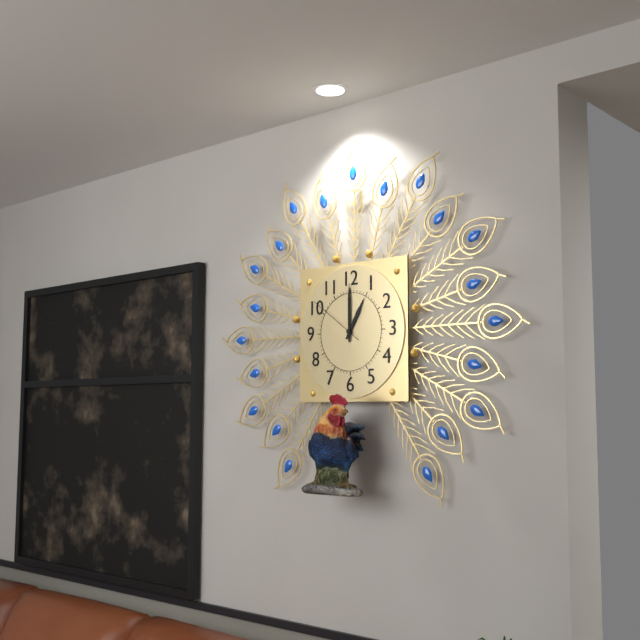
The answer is 1:00:51
